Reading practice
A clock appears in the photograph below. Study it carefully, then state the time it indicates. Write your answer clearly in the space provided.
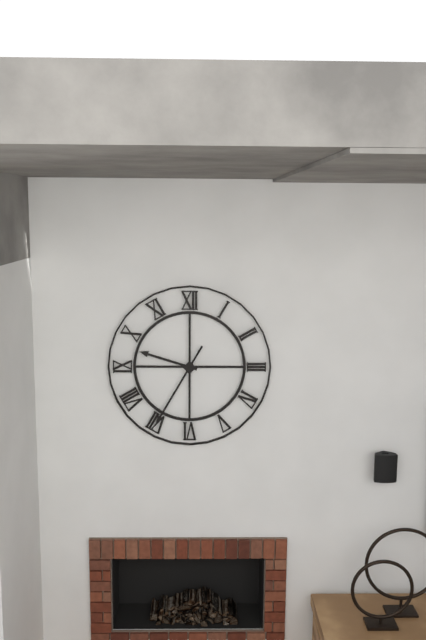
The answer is 9:35
